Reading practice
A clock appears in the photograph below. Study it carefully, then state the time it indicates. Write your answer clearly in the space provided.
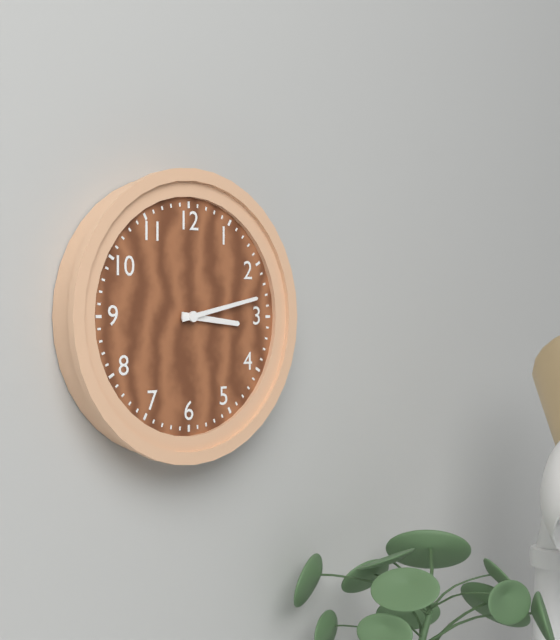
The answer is 3:13
